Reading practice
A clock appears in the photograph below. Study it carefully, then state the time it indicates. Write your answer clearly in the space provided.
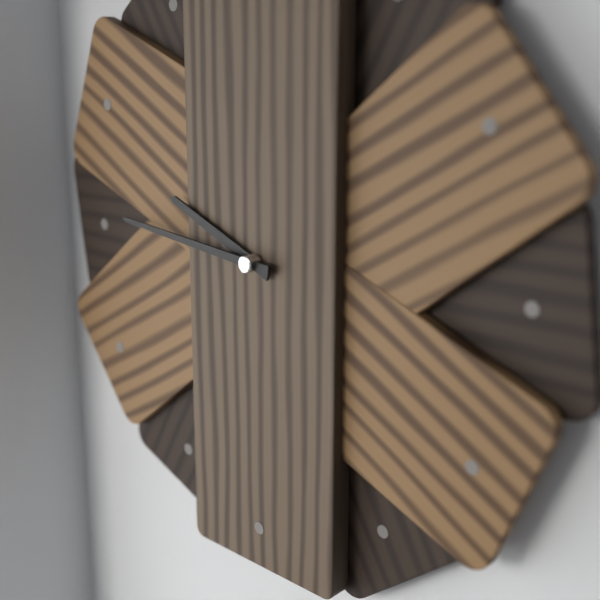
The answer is 9:46
